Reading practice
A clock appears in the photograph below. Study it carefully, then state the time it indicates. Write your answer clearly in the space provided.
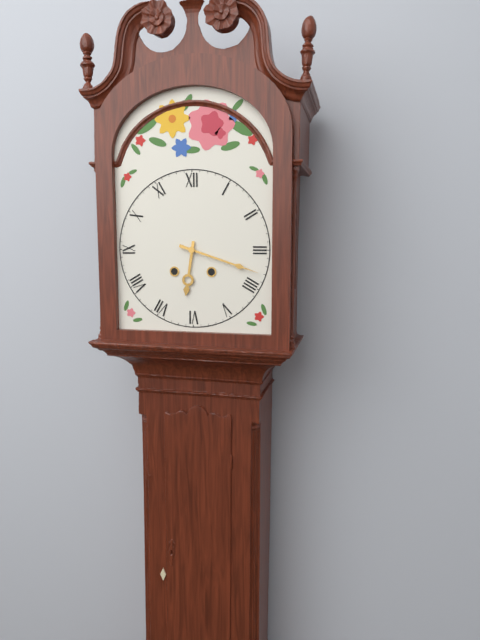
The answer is 6:18
